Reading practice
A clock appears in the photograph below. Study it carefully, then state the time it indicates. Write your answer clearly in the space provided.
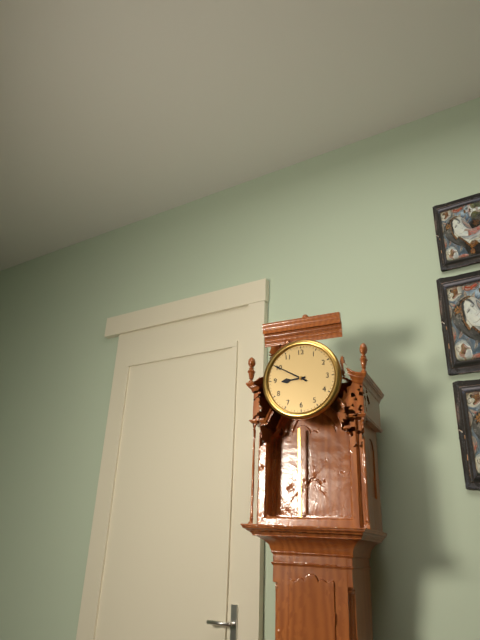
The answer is 8:50
